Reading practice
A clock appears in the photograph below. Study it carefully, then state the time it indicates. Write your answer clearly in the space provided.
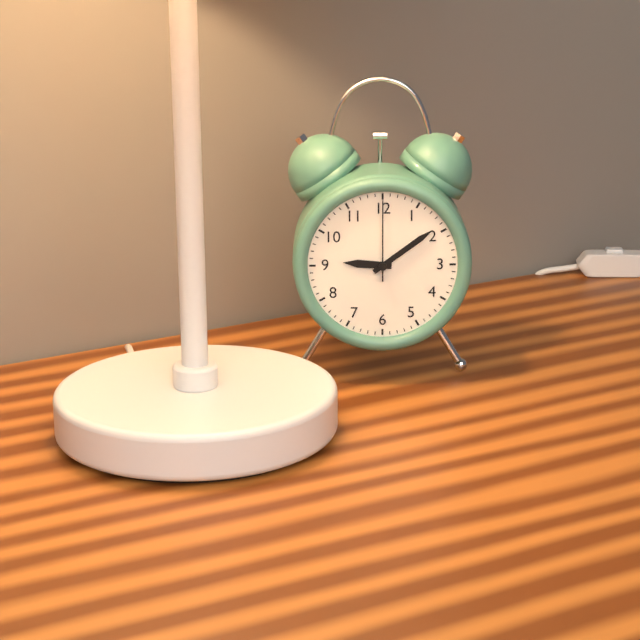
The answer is 9:09:00
